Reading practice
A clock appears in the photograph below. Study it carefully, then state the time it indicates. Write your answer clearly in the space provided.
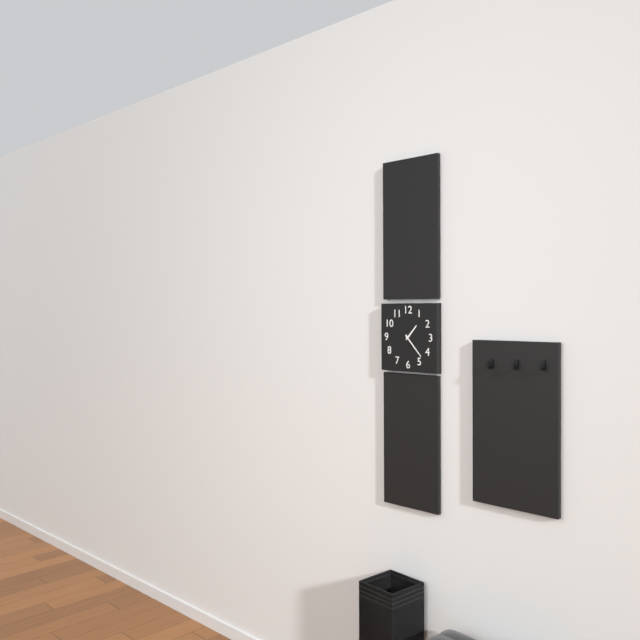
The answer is 1:23
